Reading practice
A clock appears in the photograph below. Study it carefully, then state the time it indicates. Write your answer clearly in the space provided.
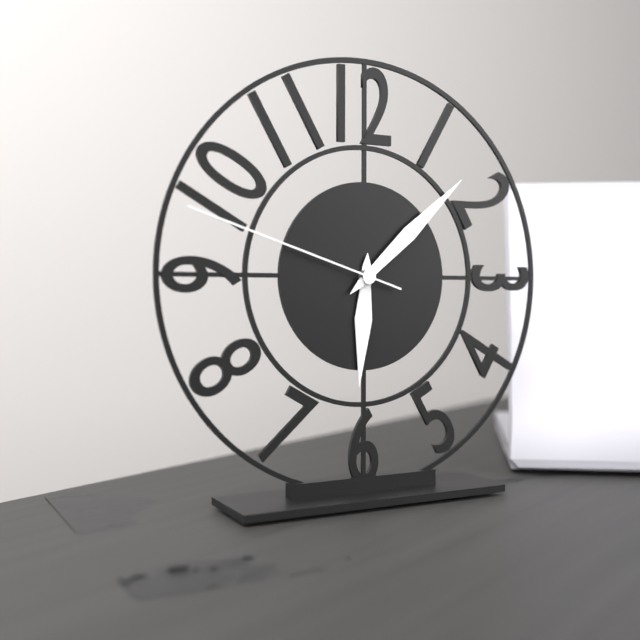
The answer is 6:08:48
